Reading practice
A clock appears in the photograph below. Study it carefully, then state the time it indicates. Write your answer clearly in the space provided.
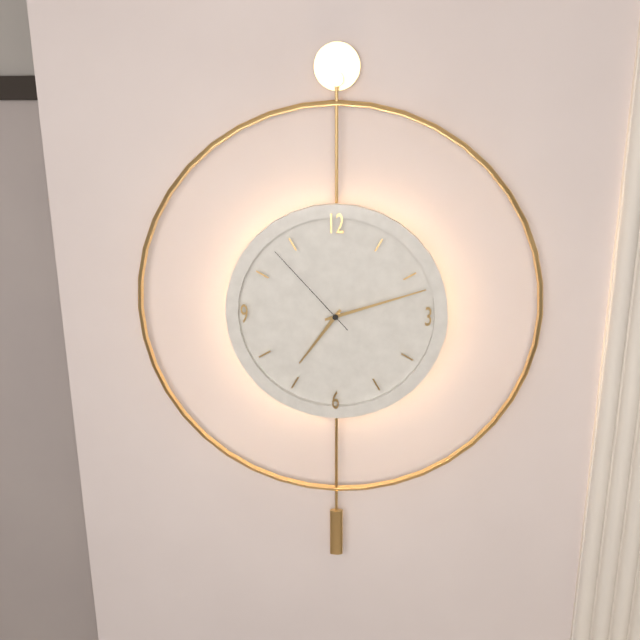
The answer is 7:12:53
